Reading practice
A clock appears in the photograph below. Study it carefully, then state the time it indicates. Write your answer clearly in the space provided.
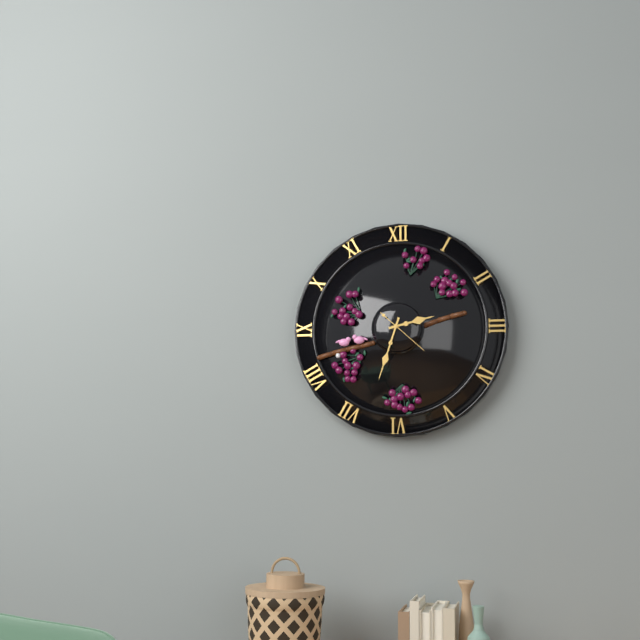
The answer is 2:33
